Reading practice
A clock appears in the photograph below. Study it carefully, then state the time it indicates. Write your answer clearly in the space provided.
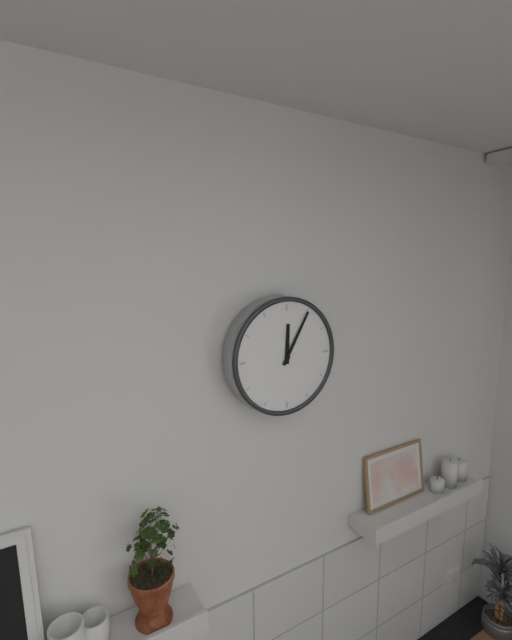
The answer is 12:05
